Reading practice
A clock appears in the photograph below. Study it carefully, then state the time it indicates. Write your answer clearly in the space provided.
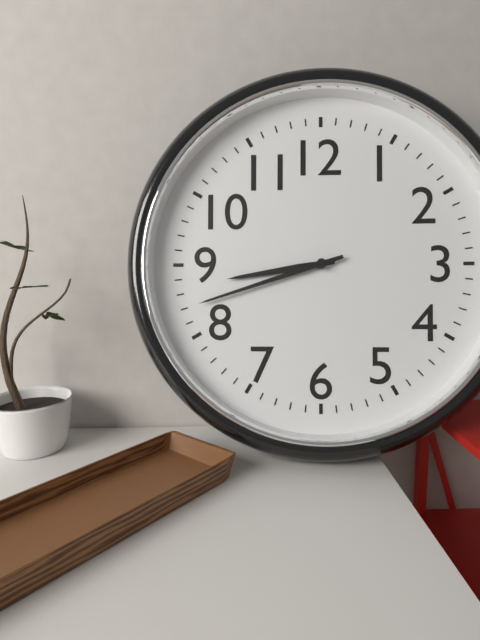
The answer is 8:42
